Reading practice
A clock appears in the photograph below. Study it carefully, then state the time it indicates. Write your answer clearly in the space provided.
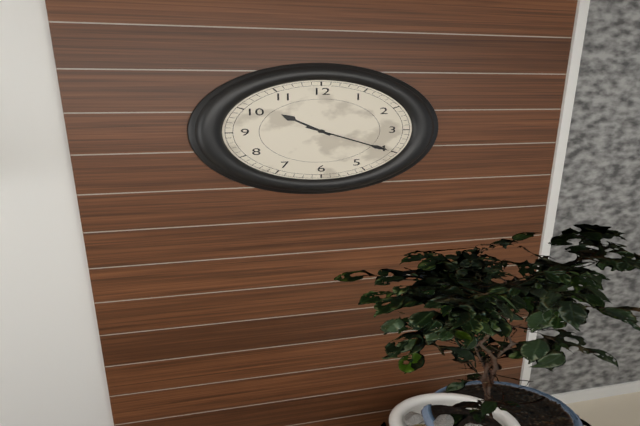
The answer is 10:20
